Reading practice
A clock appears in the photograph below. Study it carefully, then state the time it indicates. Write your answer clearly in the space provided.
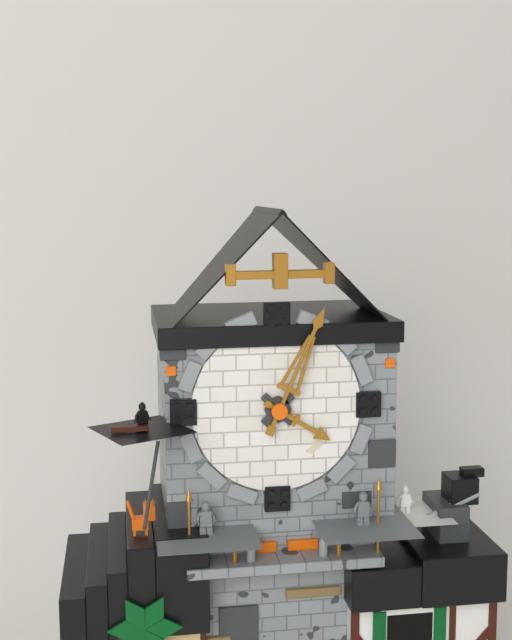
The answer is 4:04
